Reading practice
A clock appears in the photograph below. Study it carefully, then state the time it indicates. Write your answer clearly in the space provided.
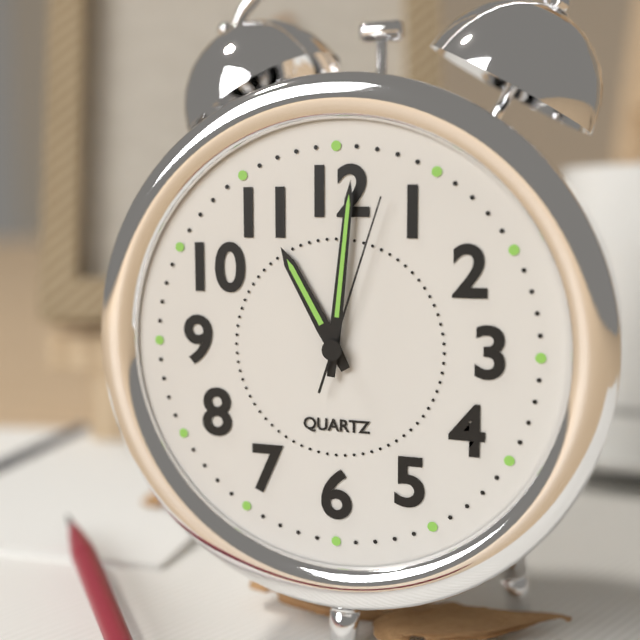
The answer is 11:01:03
